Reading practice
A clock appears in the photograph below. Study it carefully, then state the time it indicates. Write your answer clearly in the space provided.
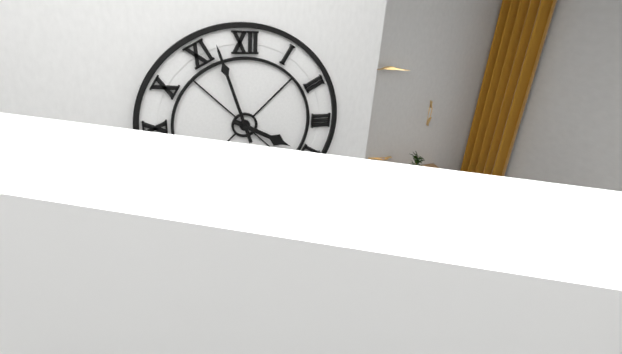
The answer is 3:57
